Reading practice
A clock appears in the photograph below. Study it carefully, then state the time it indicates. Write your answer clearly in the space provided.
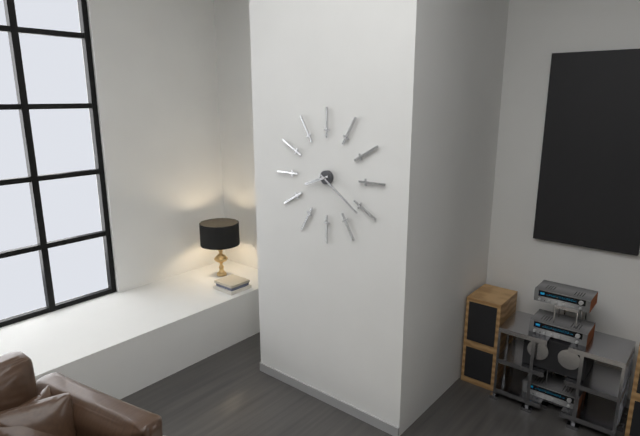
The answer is 8:21
